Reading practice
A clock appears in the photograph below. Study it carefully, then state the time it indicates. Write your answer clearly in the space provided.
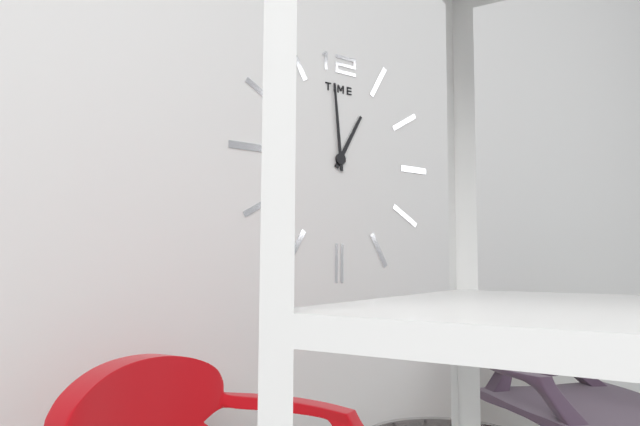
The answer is 12:59
